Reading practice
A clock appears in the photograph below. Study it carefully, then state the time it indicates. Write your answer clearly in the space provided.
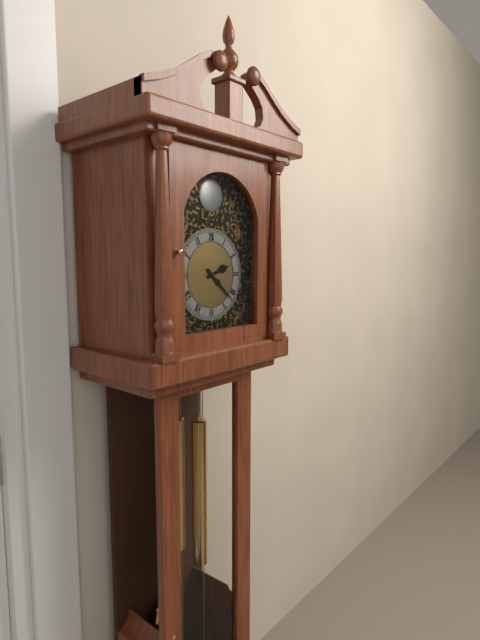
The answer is 2:22
